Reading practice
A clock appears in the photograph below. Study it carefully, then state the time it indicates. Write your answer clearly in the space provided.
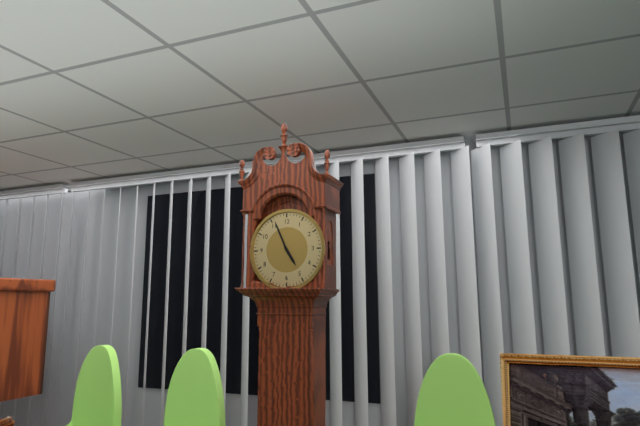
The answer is 4:56
